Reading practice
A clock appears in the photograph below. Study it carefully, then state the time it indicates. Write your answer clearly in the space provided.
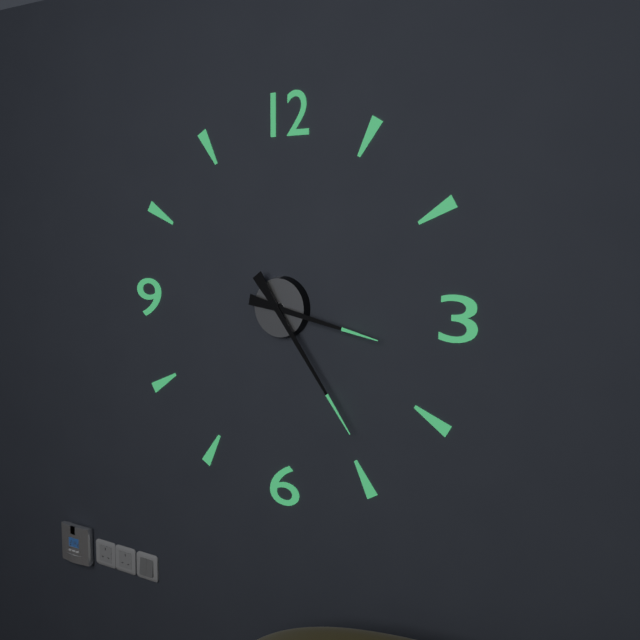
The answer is 3:24
